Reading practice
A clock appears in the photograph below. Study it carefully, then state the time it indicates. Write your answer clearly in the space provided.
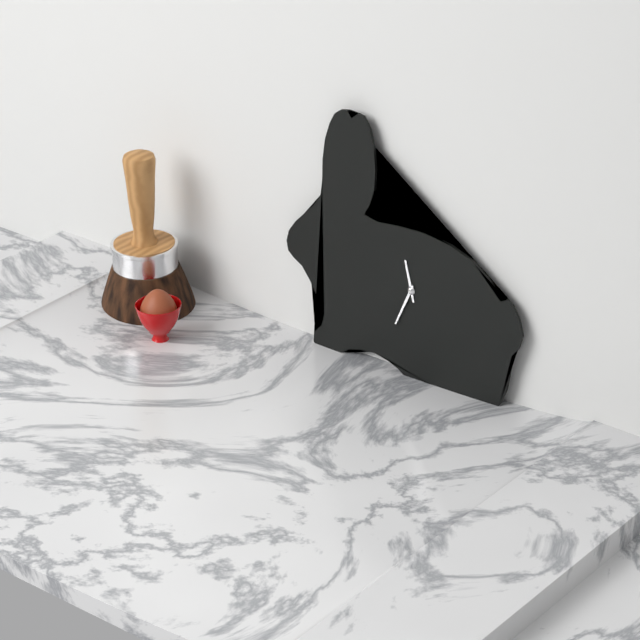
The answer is 11:34
